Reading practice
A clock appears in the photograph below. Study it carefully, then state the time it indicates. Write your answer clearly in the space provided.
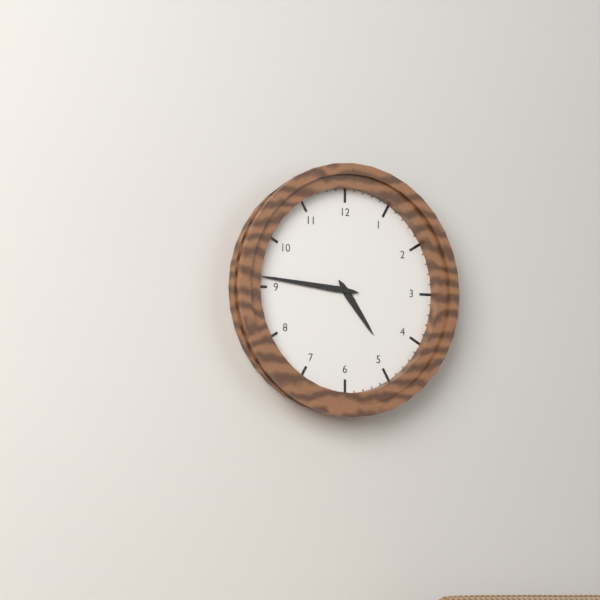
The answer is 4:46
